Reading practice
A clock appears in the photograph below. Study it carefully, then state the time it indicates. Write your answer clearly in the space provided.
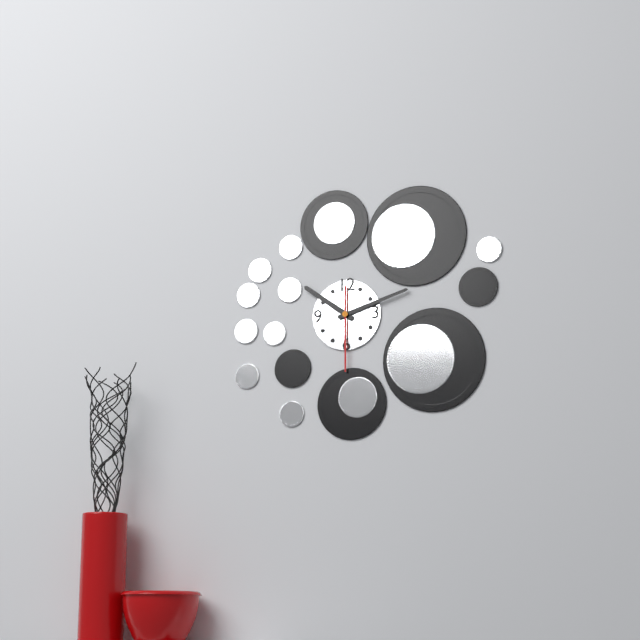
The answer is 10:12:30
